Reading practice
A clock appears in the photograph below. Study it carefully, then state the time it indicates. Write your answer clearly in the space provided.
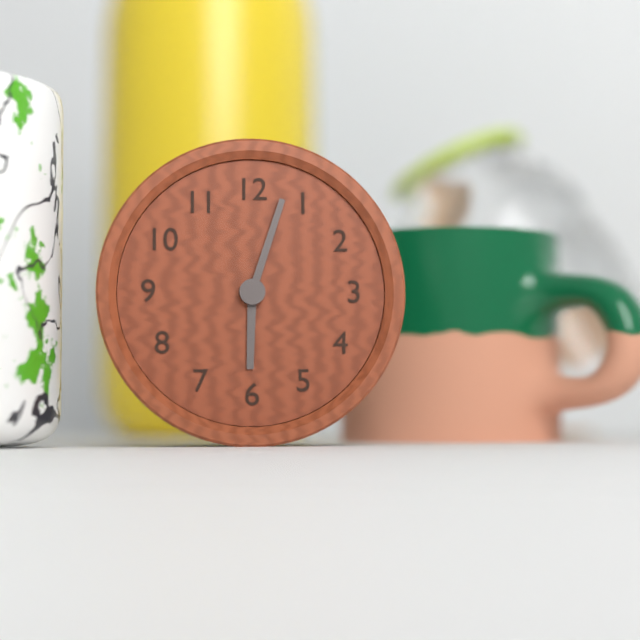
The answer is 6:03
